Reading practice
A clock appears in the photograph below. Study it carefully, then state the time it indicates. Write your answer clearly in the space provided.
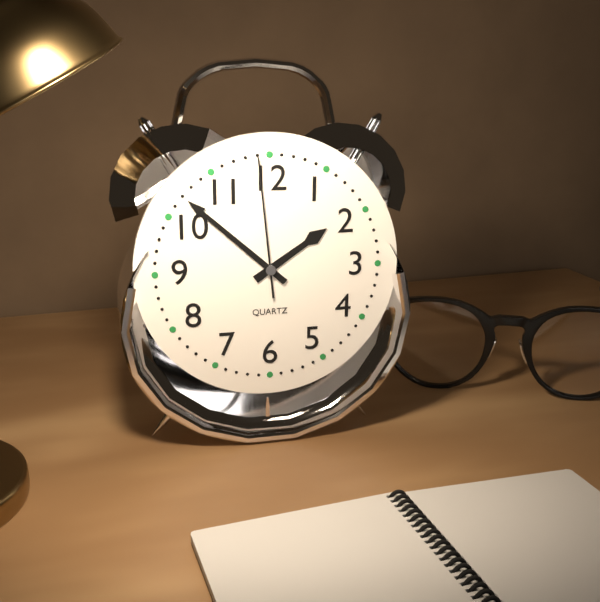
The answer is 1:52:59
